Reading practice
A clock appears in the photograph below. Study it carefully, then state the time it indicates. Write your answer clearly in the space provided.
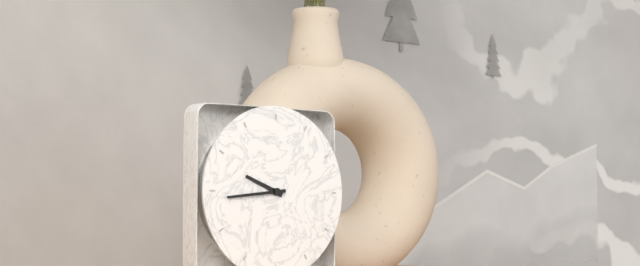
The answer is 9:44
